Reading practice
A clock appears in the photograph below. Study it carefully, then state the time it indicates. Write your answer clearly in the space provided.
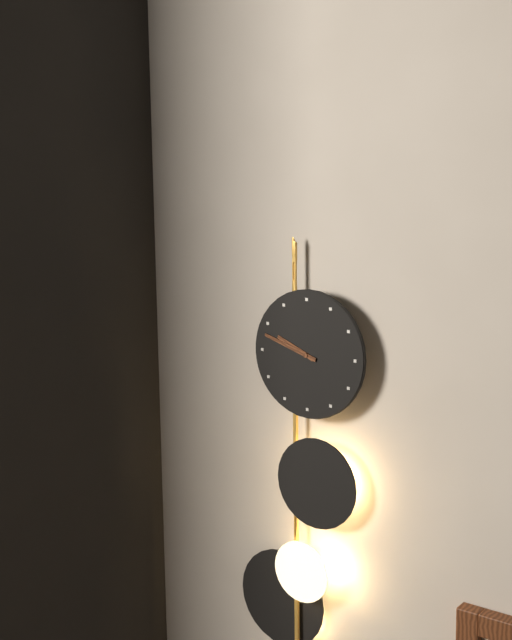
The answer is 9:48
